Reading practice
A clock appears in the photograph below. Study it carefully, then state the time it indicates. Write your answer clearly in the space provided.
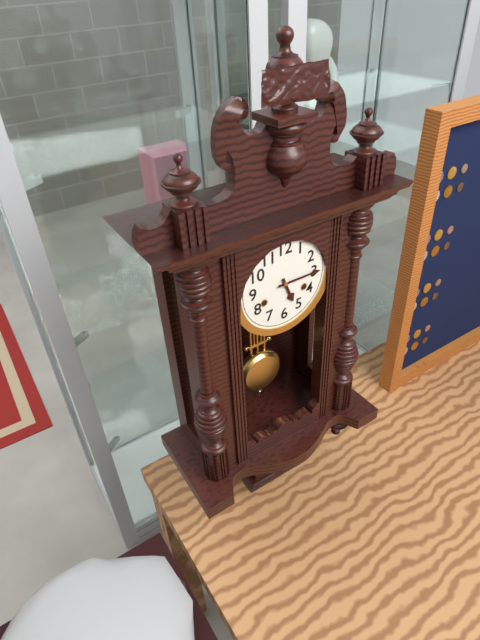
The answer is 5:15
